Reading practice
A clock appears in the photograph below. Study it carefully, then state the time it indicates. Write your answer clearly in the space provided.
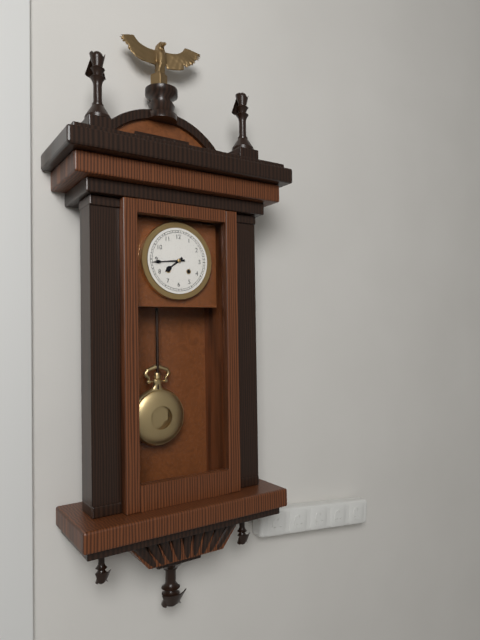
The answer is 7:44
